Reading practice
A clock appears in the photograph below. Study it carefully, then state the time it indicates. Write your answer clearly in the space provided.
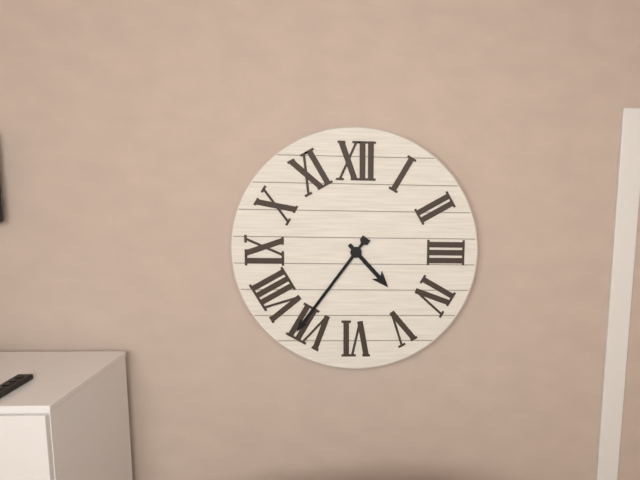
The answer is 4:36
